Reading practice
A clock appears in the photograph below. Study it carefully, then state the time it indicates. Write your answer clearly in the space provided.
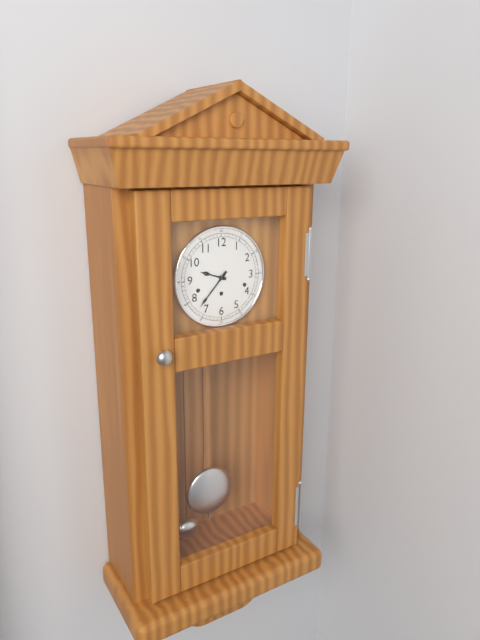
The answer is 9:37
